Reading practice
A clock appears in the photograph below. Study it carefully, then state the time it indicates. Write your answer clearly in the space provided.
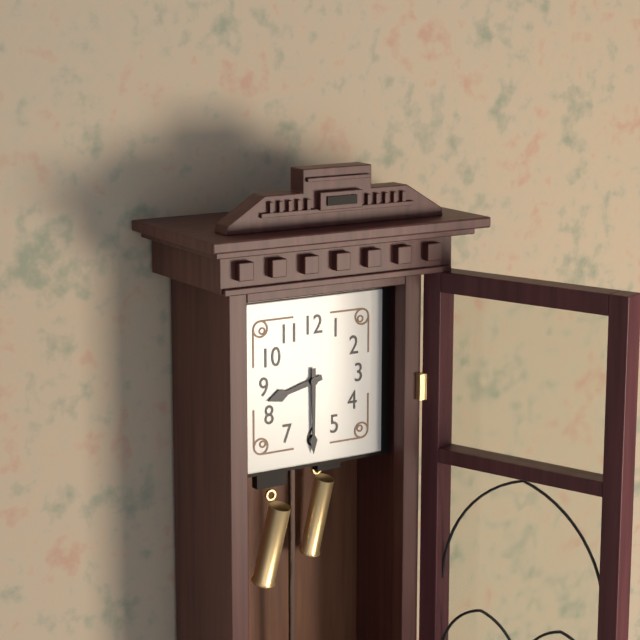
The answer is 8:30
